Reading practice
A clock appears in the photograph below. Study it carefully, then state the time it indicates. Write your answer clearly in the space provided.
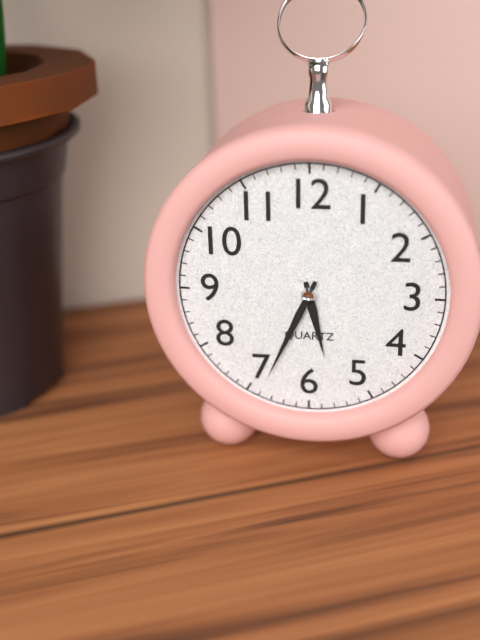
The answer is 5:34
